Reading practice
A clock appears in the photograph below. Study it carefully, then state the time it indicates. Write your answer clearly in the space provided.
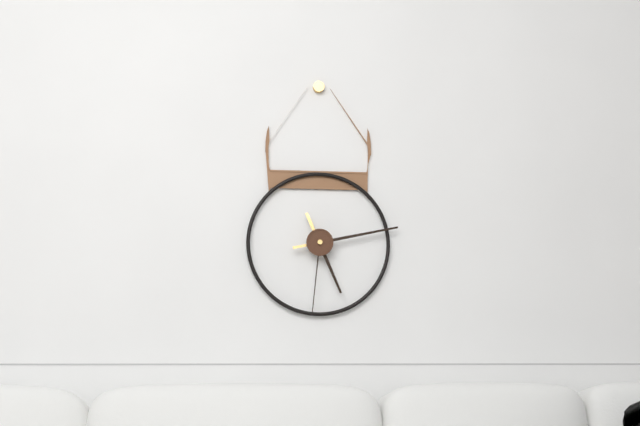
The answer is 5:13:31
